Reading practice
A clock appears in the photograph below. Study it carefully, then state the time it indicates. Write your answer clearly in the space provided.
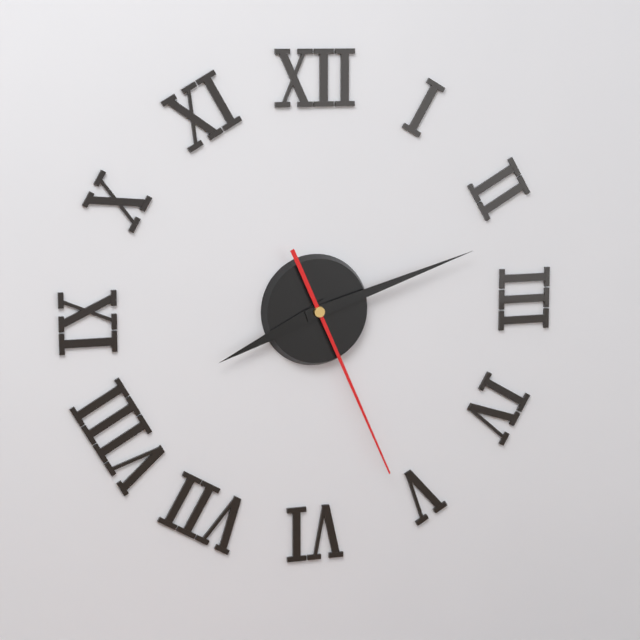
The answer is 8:12:26
